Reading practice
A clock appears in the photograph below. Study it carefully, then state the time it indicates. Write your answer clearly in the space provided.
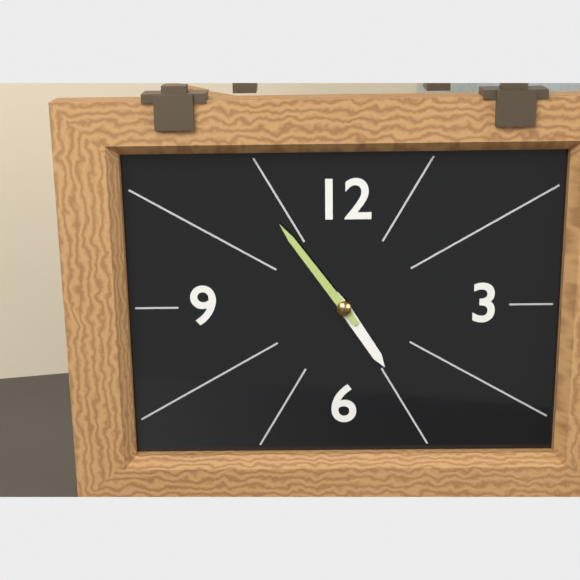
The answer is 4:54
